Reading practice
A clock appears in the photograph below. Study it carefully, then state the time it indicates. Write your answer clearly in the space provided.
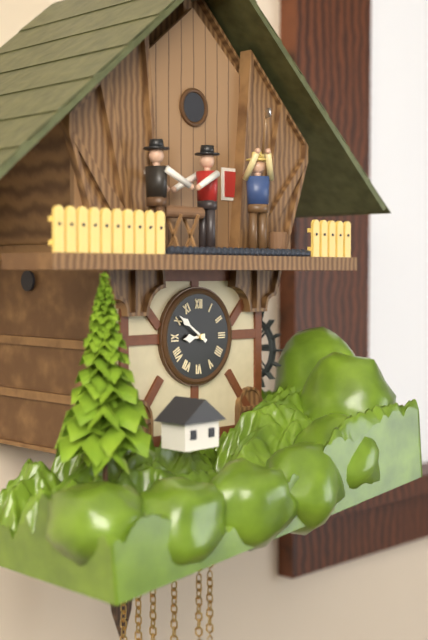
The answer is 8:51
